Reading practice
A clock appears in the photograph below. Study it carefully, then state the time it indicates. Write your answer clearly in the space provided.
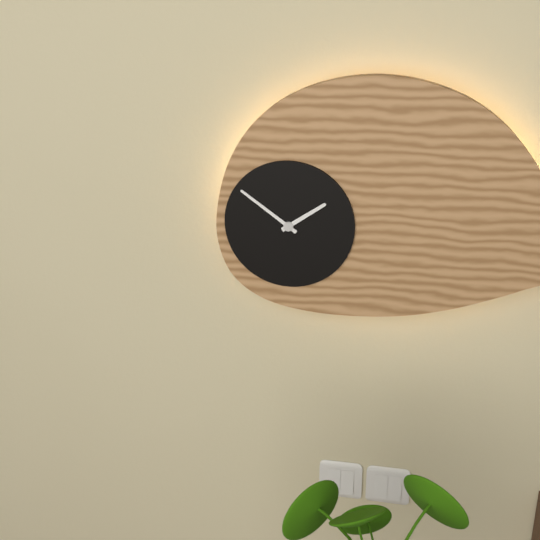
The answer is 1:51
